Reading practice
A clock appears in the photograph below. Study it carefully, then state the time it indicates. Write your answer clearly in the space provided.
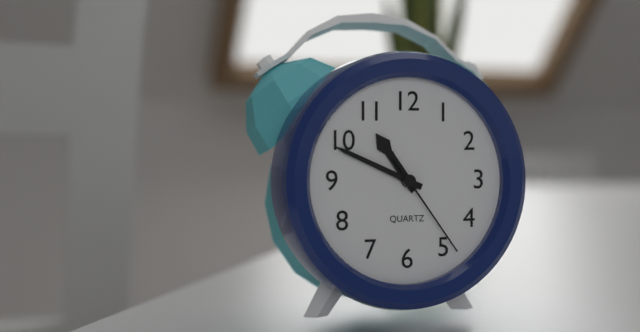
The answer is 10:49:24
